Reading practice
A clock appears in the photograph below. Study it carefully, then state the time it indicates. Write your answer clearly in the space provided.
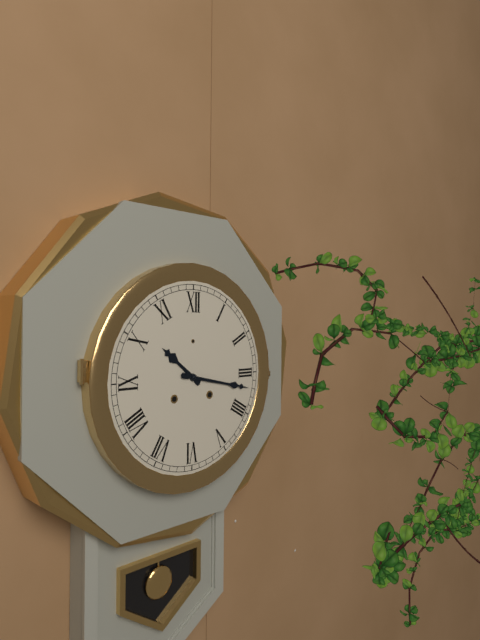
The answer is 10:17
